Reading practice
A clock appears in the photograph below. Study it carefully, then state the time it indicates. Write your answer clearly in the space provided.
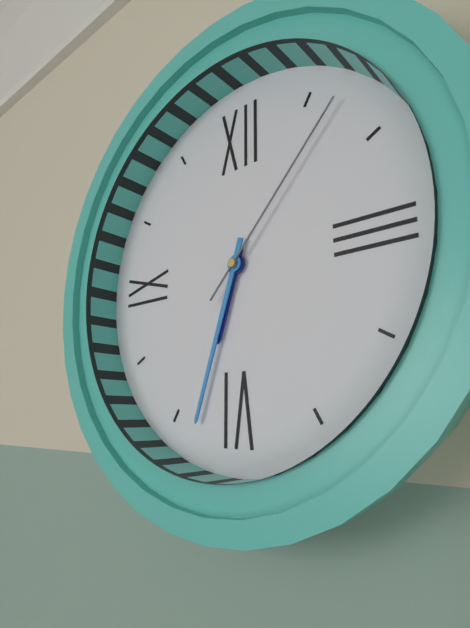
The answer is 6:33:07
